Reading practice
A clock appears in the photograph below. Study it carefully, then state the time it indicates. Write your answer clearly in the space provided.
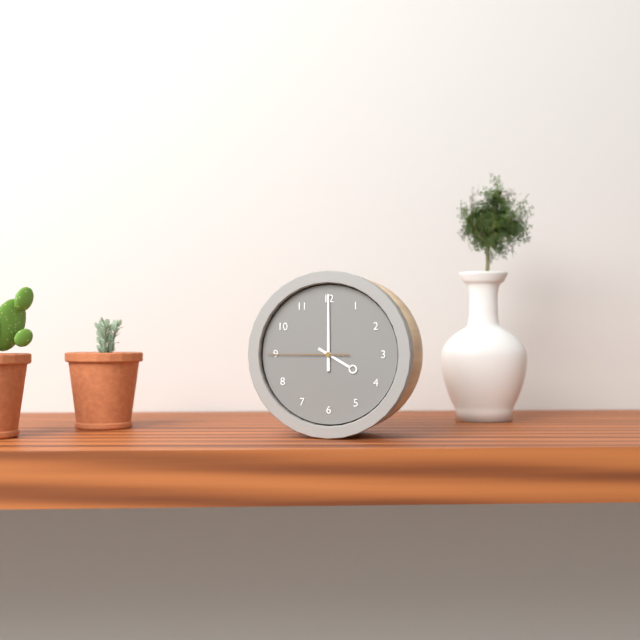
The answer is 4:00:45
